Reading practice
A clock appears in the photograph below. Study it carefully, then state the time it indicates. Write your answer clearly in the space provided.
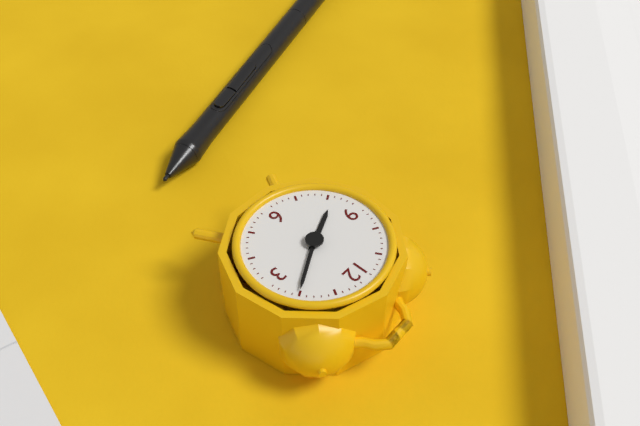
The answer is 8:10
